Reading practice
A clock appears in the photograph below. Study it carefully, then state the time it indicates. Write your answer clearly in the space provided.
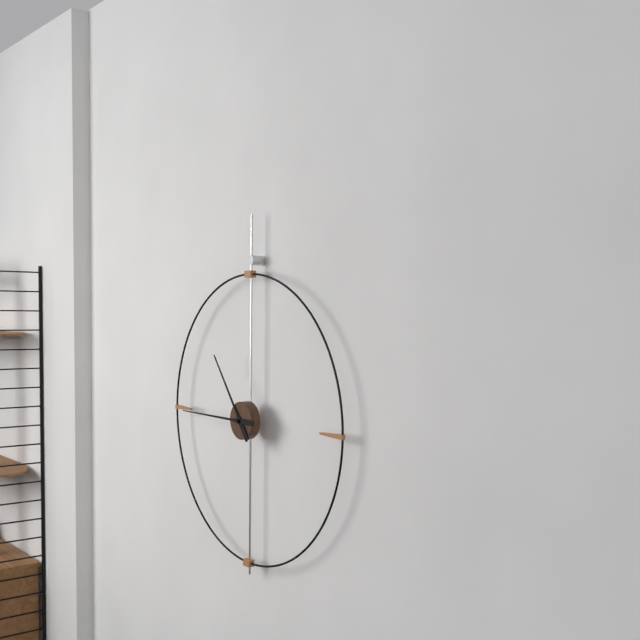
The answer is 10:45
